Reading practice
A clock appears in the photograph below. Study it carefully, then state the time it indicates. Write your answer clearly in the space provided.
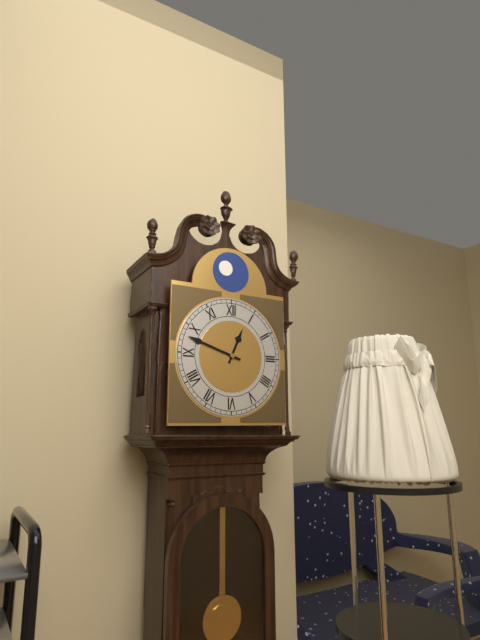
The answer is 12:48
